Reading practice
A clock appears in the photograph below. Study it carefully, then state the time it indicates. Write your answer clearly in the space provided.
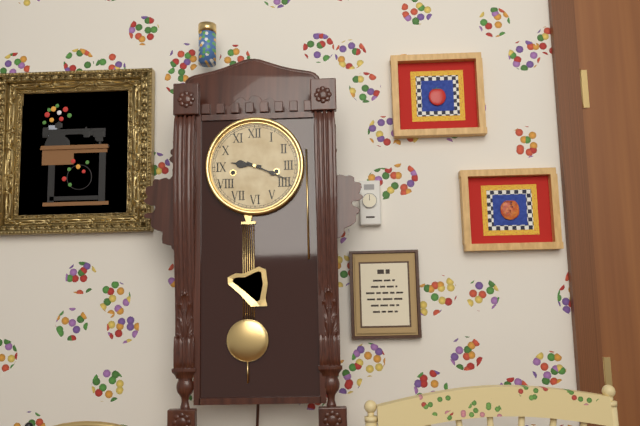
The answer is 9:19
